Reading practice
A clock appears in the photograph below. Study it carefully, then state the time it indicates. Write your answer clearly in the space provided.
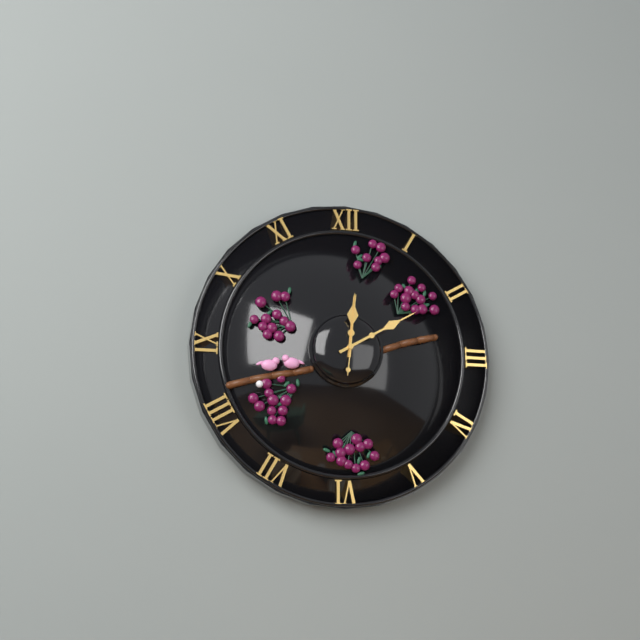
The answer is 12:10:01
